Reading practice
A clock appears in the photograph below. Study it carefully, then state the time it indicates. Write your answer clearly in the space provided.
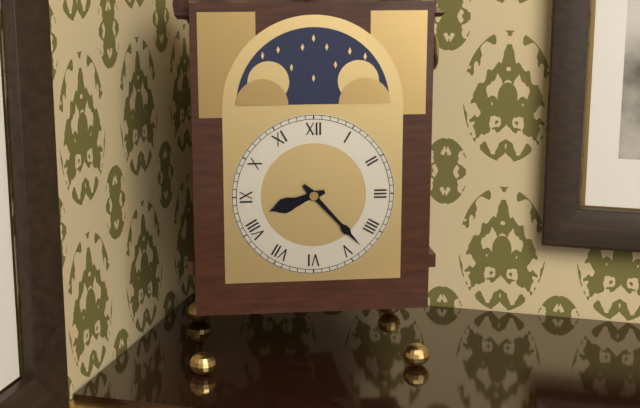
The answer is 8:23
